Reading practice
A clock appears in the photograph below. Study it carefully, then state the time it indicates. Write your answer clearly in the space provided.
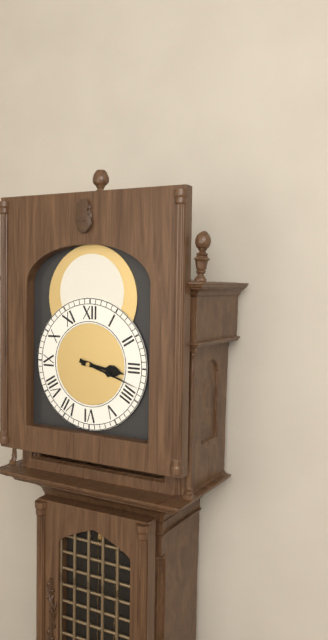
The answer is 3:18
